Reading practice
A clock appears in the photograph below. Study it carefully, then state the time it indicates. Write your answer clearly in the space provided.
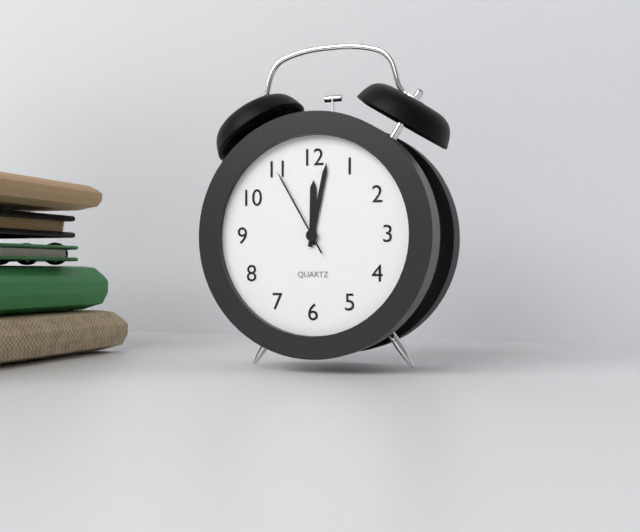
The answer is 12:02:55
